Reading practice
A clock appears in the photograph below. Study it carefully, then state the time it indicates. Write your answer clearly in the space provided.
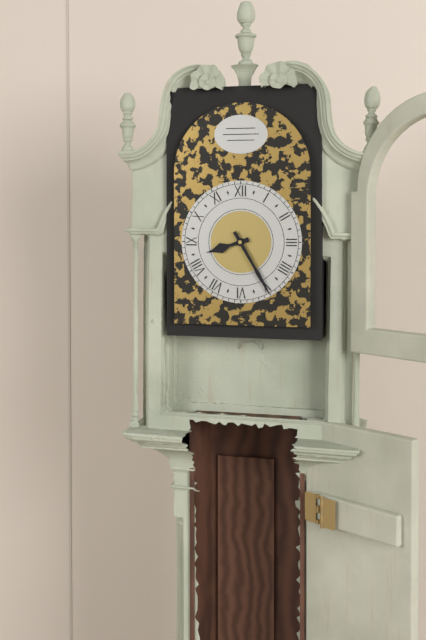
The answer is 8:25
